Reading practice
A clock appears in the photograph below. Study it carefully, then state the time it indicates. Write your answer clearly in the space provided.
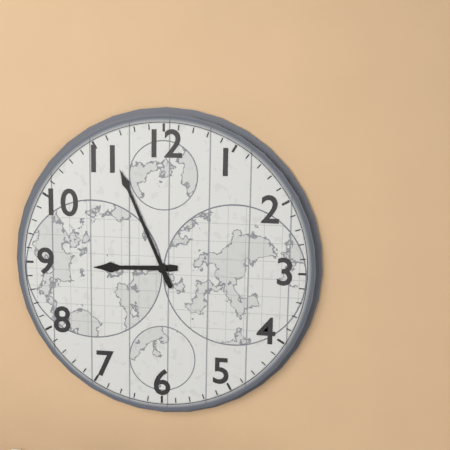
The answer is 8:56
